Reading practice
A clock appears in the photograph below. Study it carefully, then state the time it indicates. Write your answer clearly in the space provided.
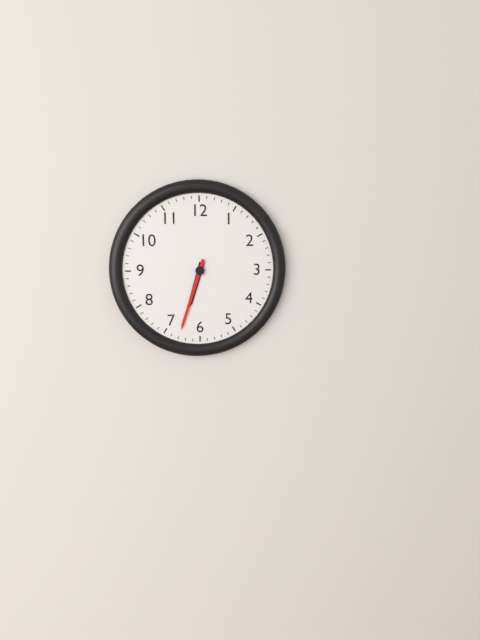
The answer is 6:33
